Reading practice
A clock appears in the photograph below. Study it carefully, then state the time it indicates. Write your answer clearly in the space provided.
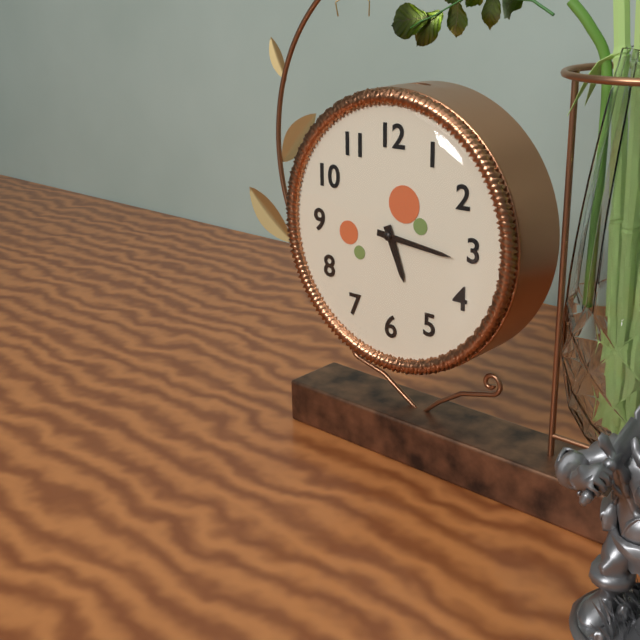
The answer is 5:16
